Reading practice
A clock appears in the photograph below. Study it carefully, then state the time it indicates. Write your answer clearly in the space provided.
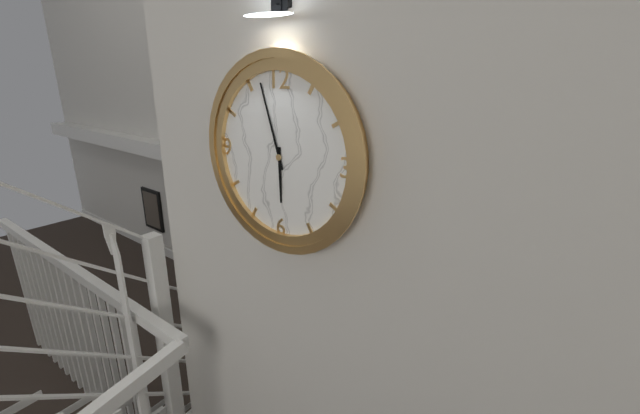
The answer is 5:57
